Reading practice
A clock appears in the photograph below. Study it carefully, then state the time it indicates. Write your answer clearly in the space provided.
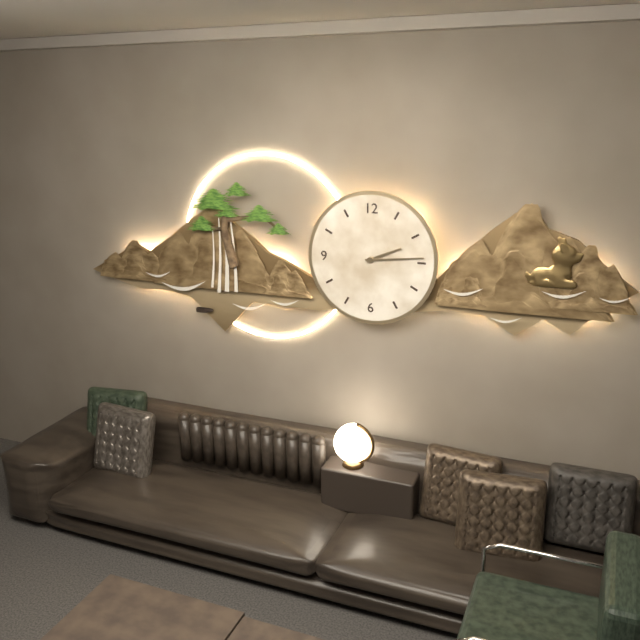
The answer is 2:14
